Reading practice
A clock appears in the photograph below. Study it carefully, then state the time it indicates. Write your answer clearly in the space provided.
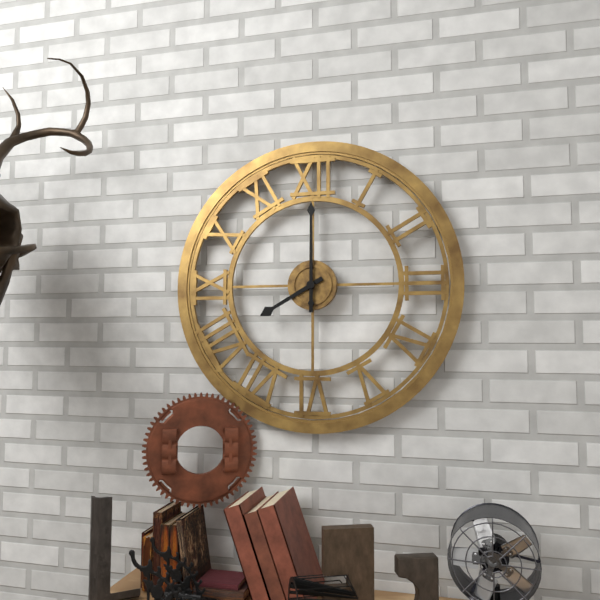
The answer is 8:00
